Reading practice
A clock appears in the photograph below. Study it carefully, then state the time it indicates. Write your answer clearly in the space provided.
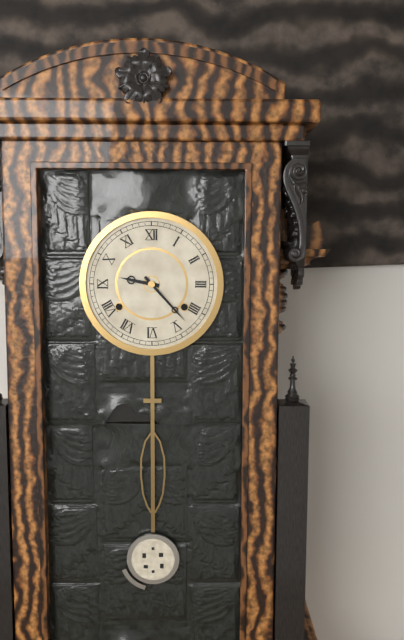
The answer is 9:23
